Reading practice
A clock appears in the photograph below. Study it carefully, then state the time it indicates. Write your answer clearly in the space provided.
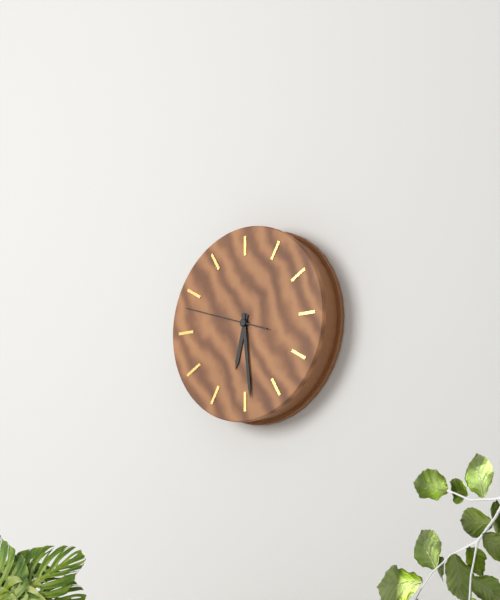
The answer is 6:29:48
